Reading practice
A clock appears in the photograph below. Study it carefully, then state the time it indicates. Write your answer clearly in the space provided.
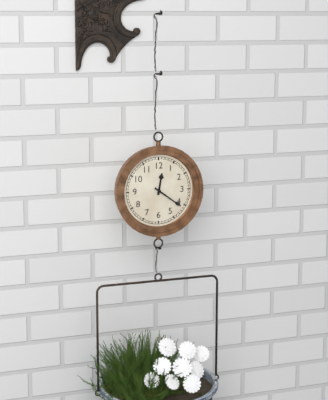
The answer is 12:21
